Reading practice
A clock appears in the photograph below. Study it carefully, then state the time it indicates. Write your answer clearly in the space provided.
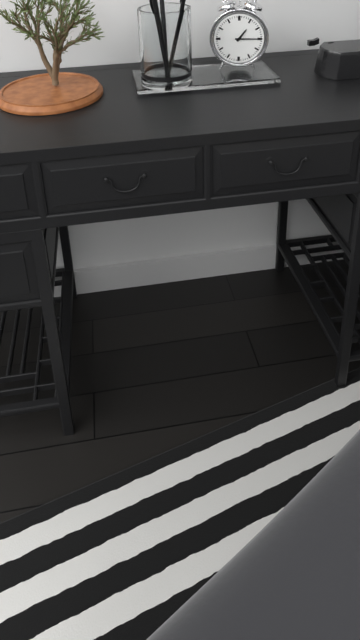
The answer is 1:15
